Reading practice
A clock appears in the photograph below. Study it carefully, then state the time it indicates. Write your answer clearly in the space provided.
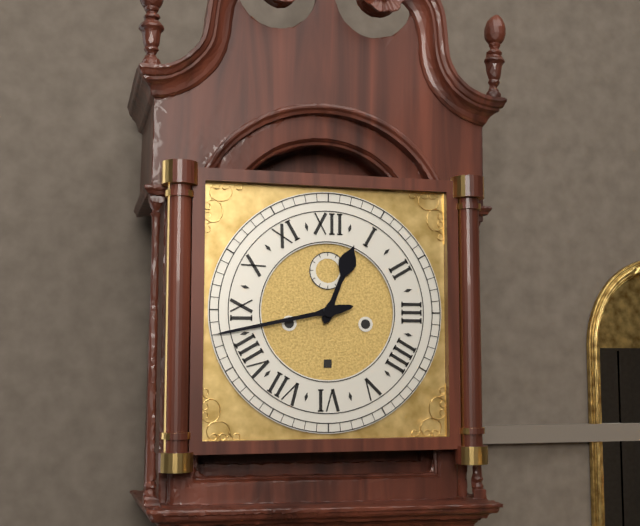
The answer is 12:43
